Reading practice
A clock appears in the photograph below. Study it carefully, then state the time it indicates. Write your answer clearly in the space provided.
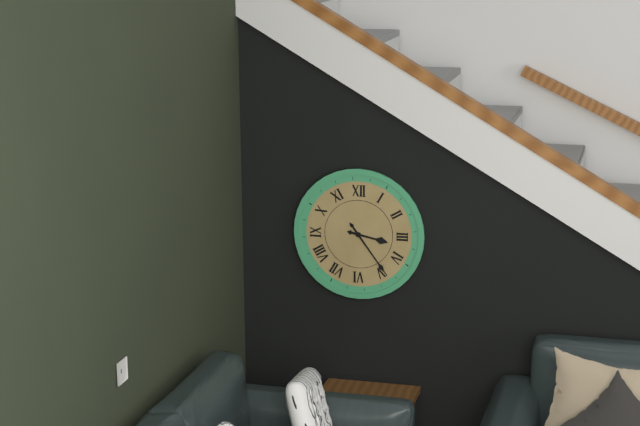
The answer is 3:24
